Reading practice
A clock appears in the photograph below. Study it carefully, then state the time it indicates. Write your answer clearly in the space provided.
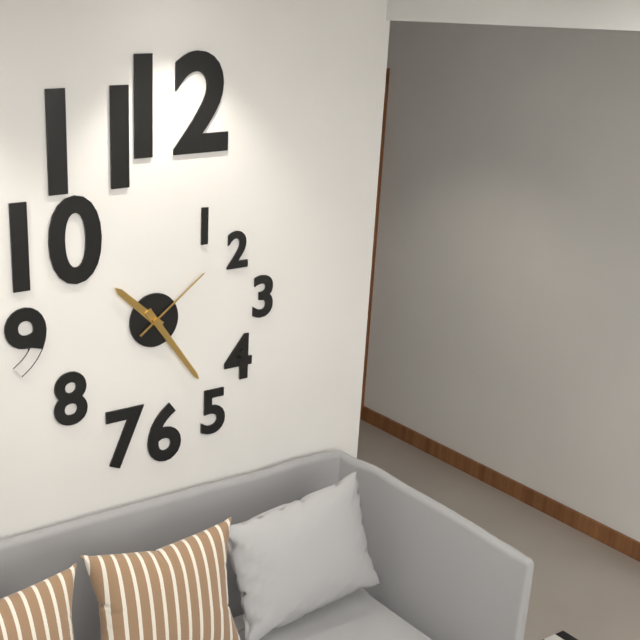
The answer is 10:24:09
